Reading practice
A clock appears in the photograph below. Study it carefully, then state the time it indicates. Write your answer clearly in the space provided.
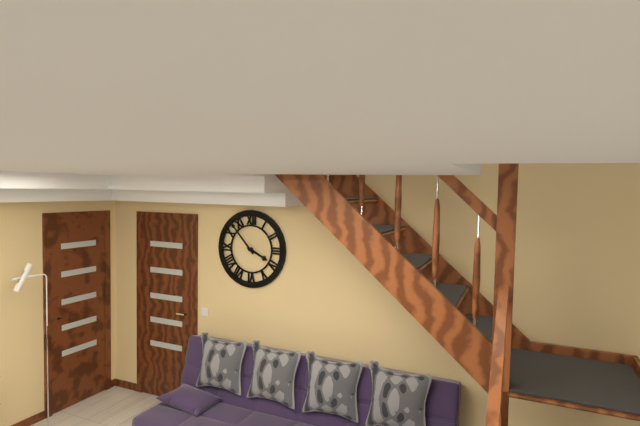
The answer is 3:53
